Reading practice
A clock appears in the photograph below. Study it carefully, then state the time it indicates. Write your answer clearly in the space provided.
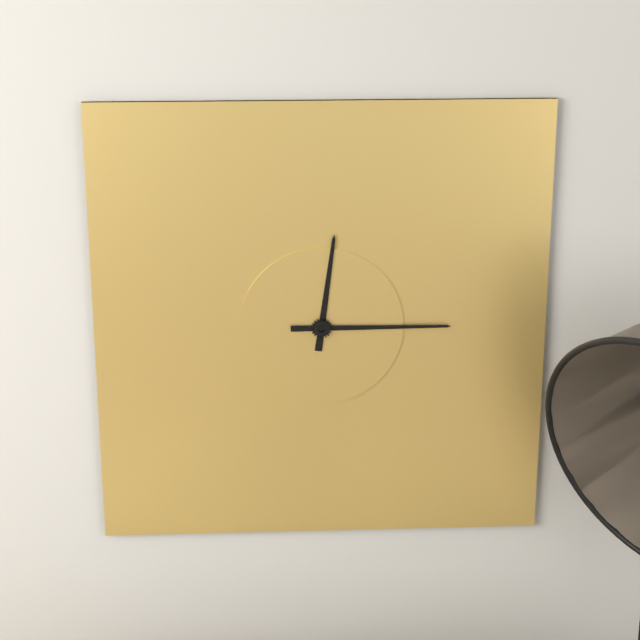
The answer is 12:15
